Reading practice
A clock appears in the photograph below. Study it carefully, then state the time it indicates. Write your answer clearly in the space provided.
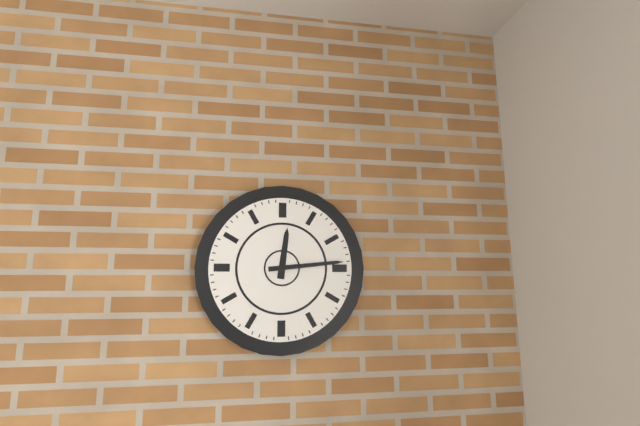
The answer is 12:14
